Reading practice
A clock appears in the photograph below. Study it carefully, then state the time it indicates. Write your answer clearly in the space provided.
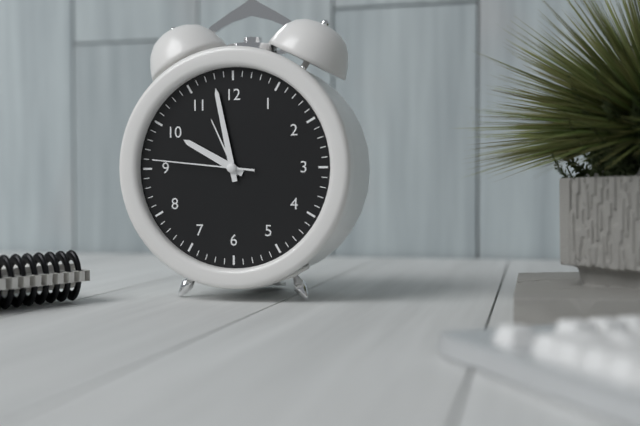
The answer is 9:58:46
